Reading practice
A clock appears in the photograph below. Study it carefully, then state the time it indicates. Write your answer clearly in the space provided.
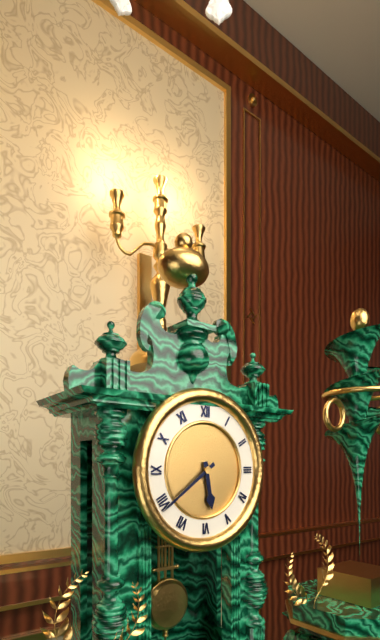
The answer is 5:39
